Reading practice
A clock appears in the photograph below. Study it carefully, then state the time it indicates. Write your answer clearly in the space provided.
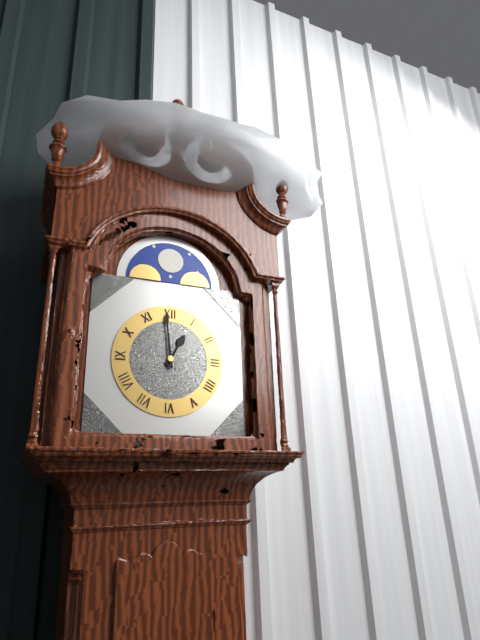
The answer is 12:59
